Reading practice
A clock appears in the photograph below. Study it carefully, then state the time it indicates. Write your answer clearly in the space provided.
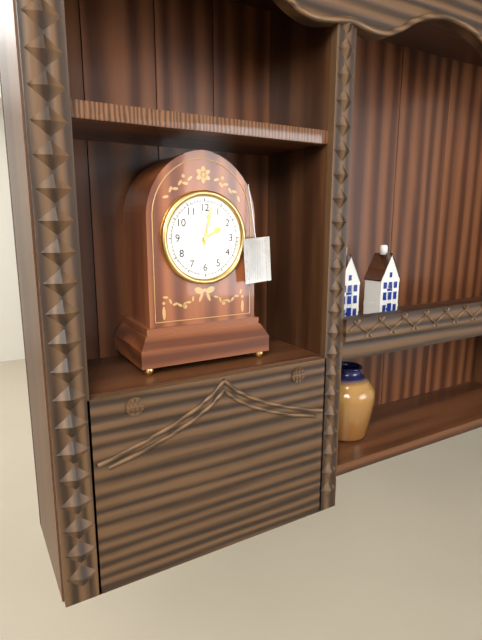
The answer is 2:02
